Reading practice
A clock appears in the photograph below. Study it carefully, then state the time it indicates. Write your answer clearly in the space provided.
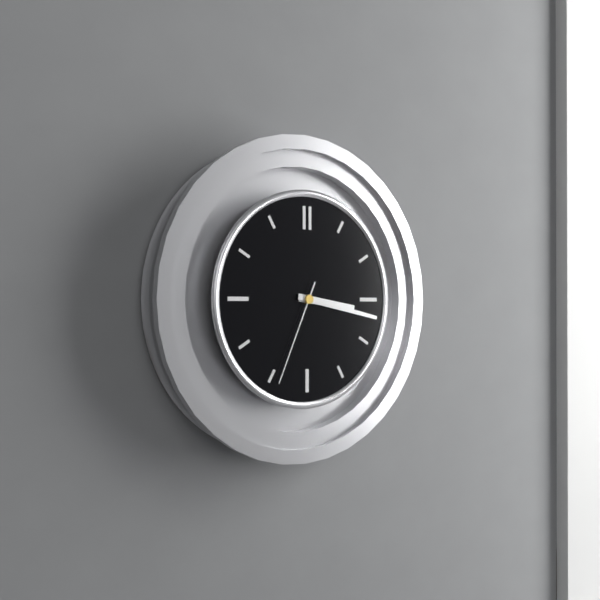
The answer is 3:17:34
